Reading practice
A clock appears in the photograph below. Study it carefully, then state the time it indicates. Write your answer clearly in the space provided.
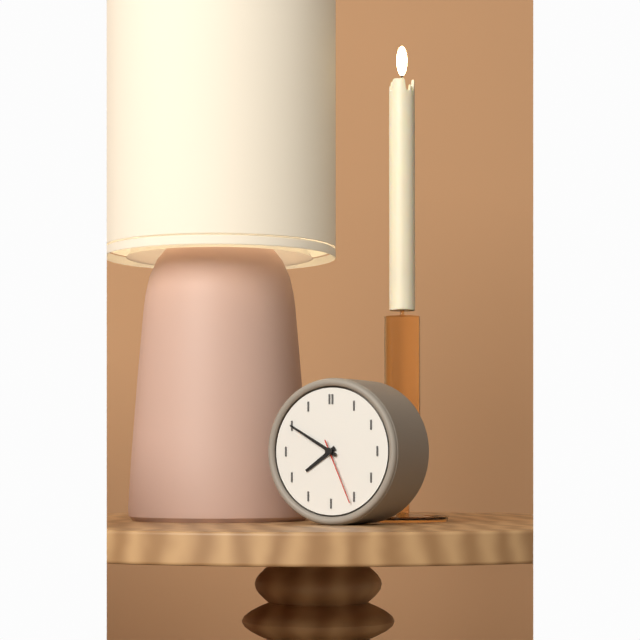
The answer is 7:50:26
